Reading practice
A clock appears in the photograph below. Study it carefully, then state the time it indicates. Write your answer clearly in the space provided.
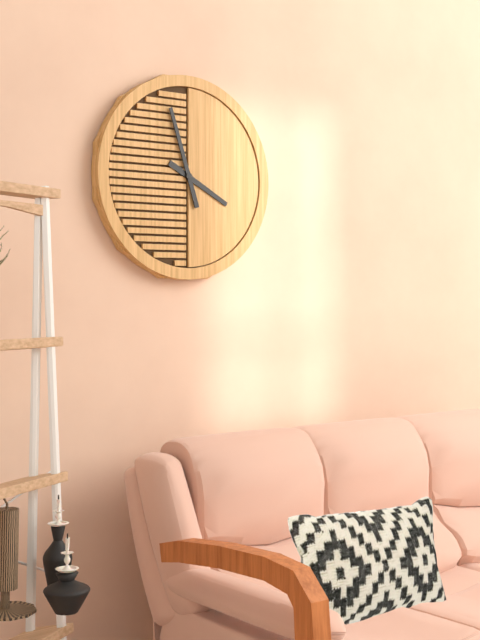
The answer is 3:57
